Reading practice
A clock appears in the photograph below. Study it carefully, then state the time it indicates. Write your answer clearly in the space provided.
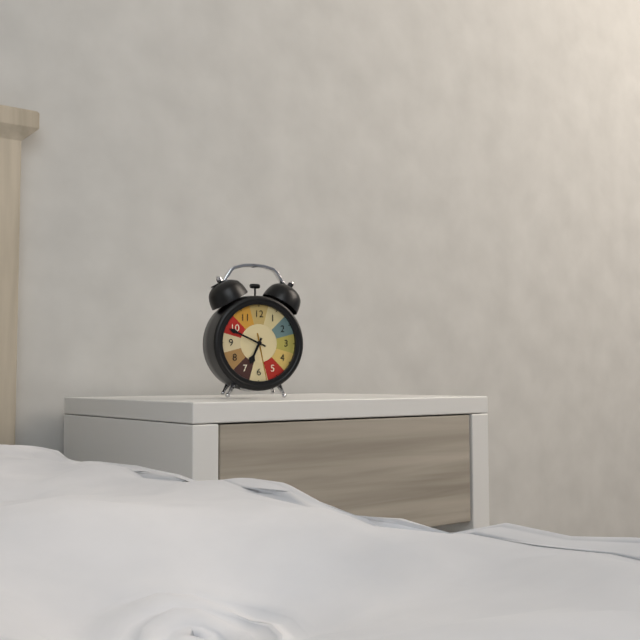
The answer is 6:49
